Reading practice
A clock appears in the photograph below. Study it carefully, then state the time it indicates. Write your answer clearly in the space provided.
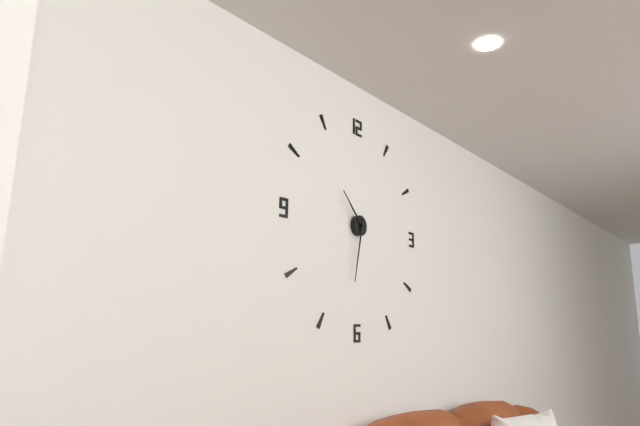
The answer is 10:32
